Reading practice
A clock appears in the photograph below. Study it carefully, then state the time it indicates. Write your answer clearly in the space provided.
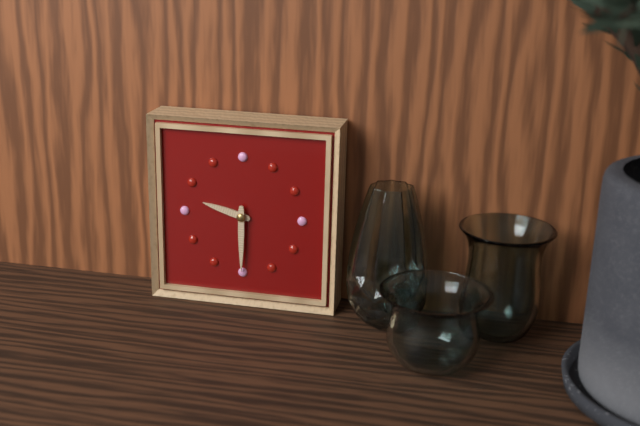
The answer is 9:30
